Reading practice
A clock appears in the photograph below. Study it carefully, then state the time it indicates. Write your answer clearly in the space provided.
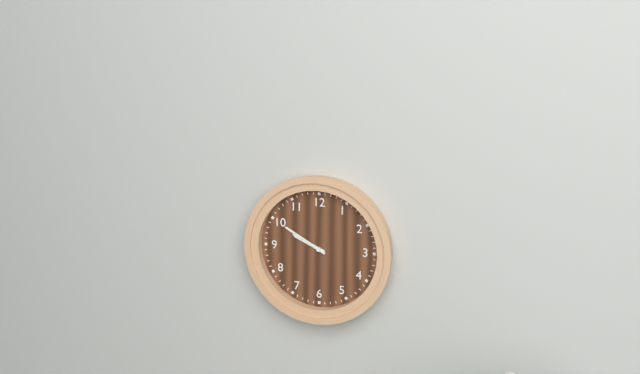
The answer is 9:50
